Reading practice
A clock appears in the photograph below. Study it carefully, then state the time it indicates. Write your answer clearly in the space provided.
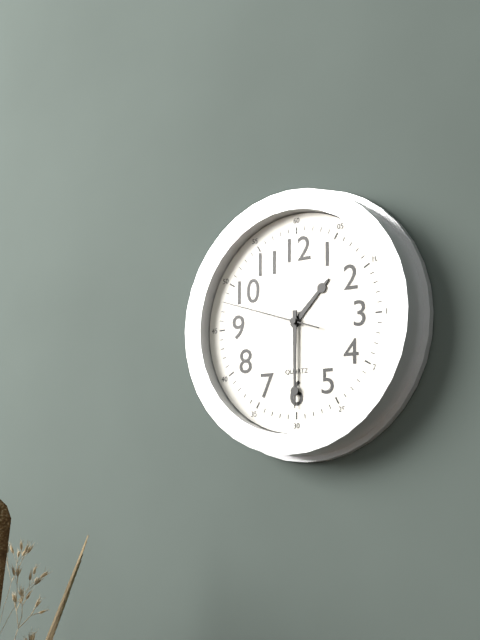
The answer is 1:30:48
